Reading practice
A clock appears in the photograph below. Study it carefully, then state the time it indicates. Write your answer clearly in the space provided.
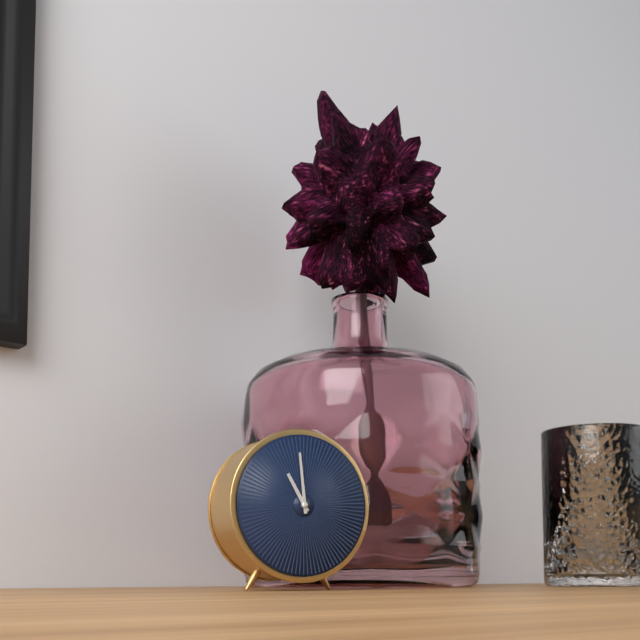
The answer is 10:59
